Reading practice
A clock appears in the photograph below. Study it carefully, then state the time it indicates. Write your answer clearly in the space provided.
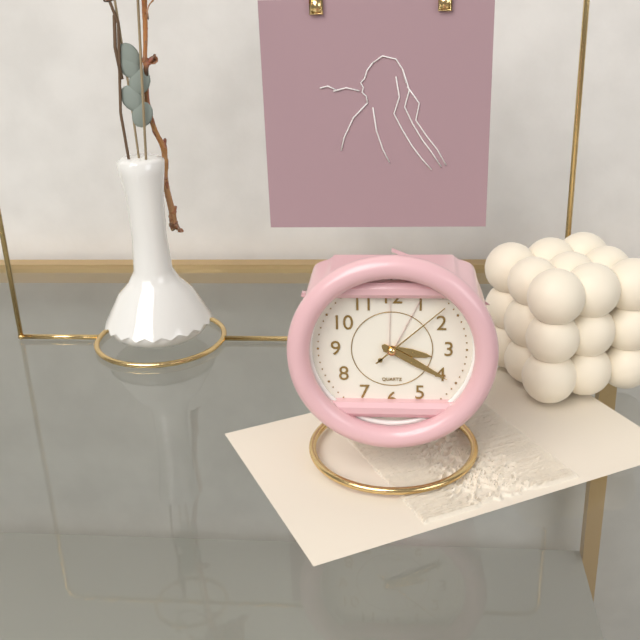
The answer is 3:20:08
